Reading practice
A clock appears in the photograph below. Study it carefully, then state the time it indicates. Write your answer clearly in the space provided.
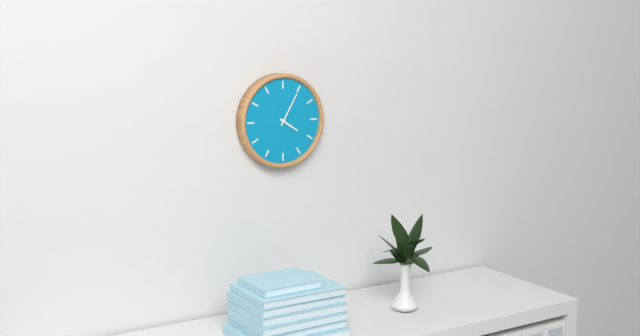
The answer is 4:05
